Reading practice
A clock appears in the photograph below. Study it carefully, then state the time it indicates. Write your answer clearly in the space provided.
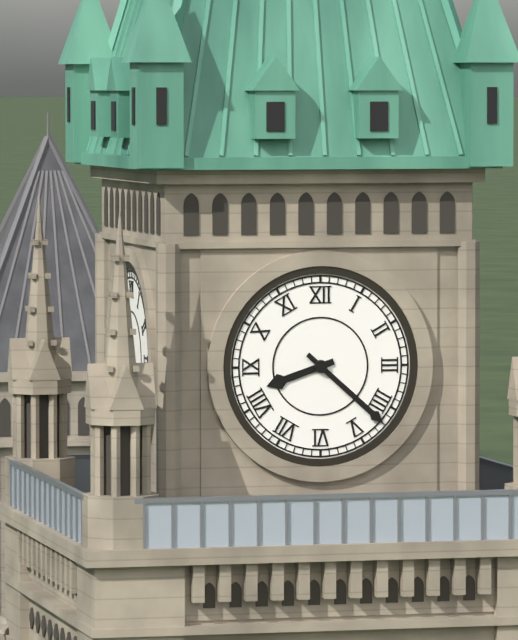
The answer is 8:22
